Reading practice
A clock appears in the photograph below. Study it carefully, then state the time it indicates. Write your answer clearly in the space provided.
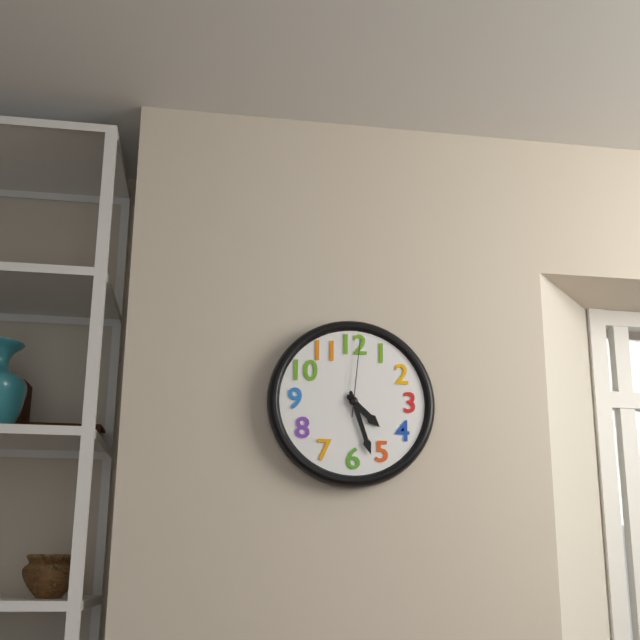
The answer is 4:27:01
